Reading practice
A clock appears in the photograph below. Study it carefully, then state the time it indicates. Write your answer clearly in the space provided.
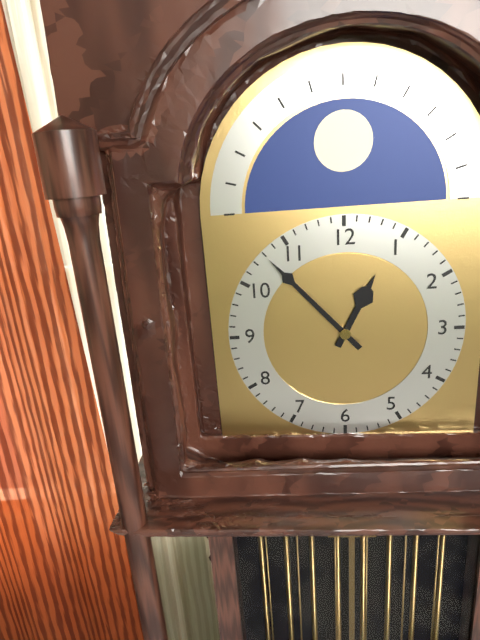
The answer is 12:53
